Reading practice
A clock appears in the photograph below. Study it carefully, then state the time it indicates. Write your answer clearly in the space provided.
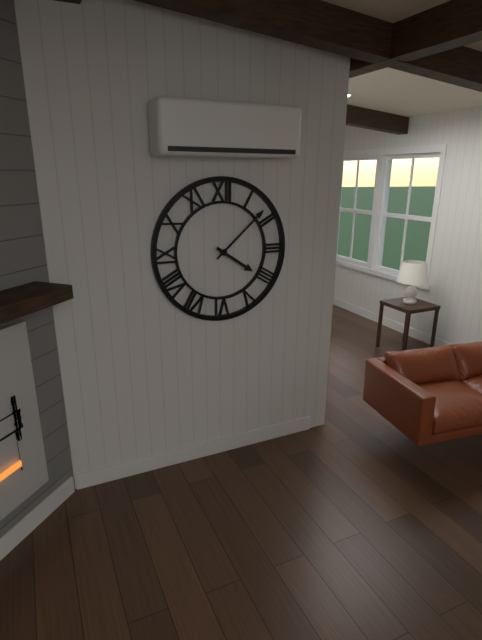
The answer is 4:08
